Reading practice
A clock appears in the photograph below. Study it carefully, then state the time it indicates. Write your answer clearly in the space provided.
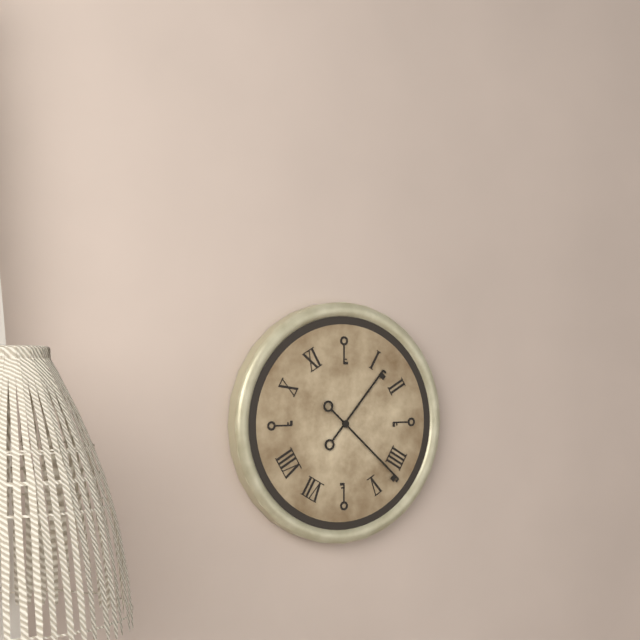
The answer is 1:22
